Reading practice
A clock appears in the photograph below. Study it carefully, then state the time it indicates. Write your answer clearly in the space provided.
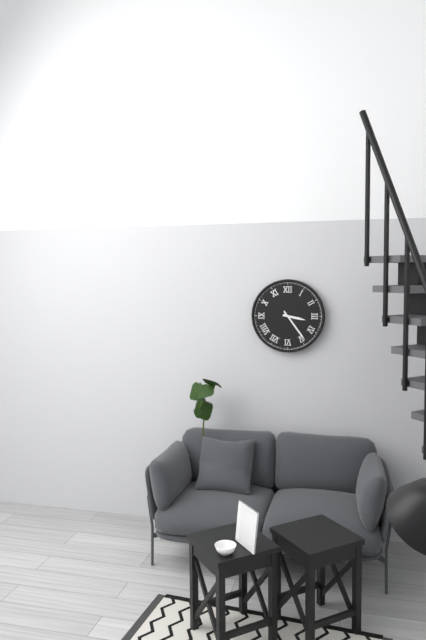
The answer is 3:24
